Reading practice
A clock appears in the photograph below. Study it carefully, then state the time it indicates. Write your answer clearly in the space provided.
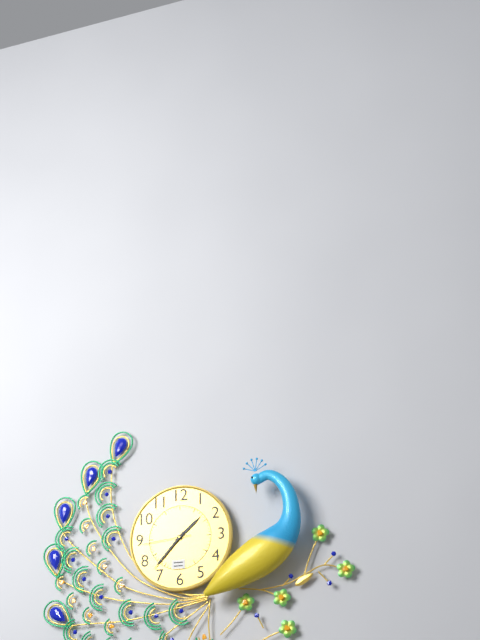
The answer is 1:37:44
